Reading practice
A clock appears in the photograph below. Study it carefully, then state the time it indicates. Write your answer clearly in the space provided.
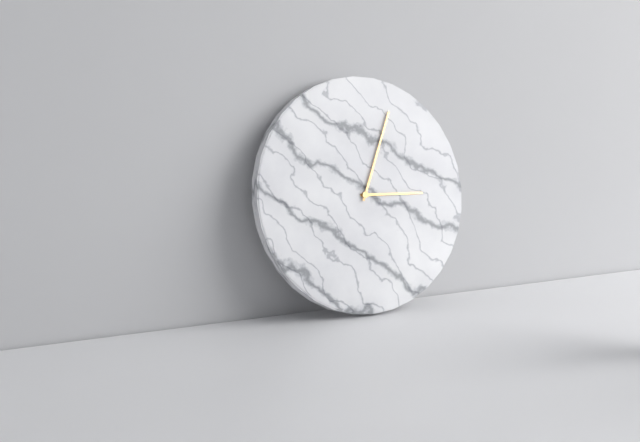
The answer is 3:04
